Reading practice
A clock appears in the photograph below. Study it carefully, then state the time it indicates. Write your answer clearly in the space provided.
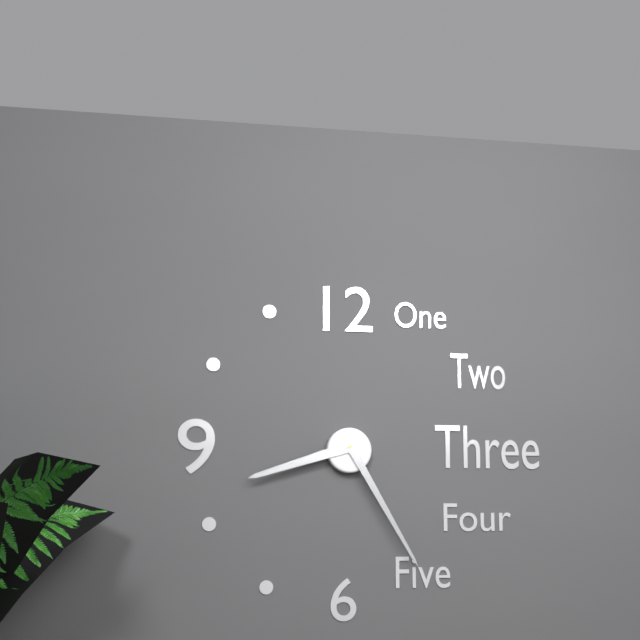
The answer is 8:25
